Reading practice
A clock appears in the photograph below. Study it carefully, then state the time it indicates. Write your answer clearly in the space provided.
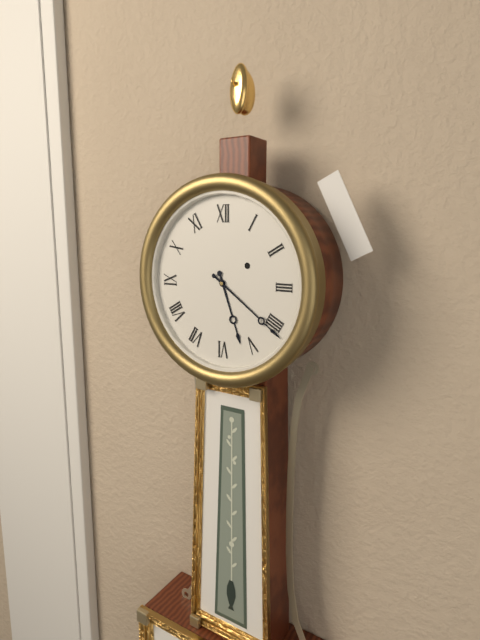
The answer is 5:21
